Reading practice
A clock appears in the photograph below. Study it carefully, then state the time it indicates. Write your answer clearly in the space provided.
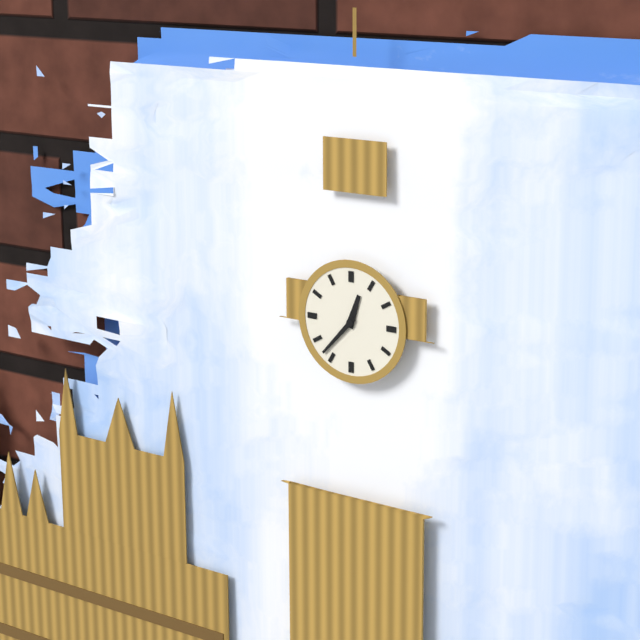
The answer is 12:37
